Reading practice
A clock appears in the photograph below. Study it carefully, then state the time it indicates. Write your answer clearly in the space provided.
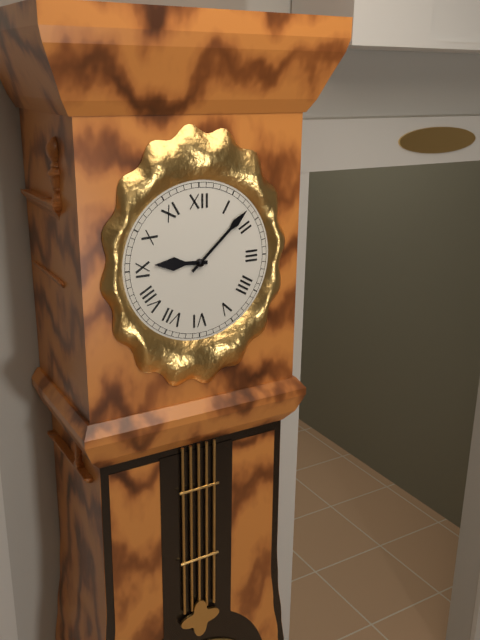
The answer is 9:08
